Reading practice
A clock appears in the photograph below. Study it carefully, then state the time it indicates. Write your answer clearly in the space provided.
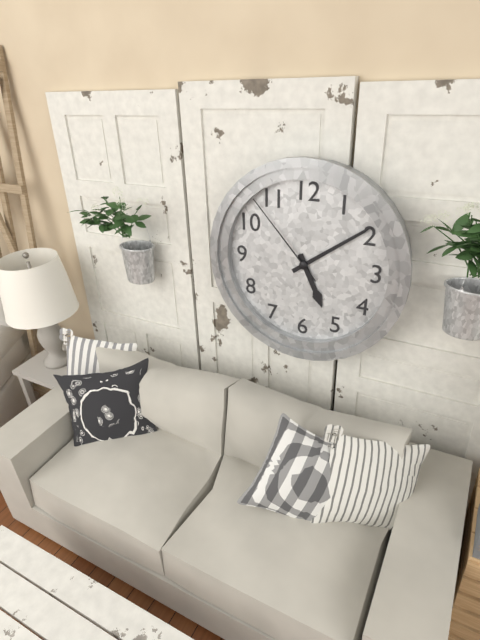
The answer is 5:09:53
